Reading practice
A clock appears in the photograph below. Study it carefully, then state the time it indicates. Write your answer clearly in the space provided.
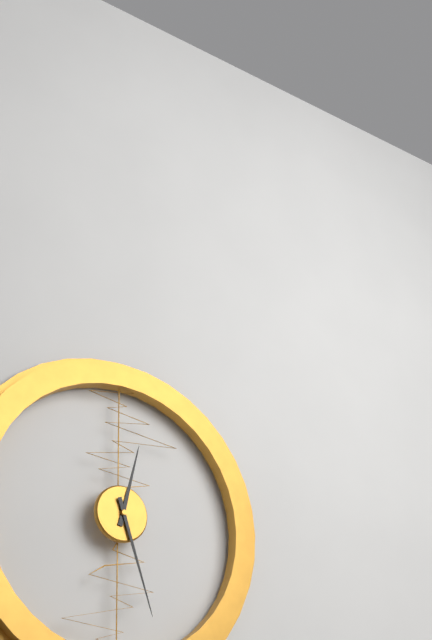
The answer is 12:27
